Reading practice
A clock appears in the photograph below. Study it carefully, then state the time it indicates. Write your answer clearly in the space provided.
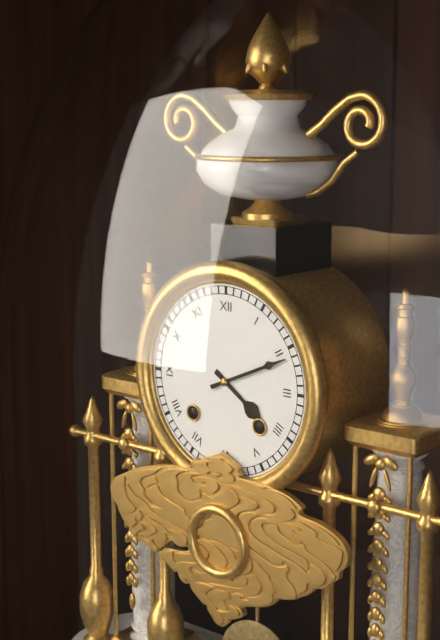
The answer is 4:11
